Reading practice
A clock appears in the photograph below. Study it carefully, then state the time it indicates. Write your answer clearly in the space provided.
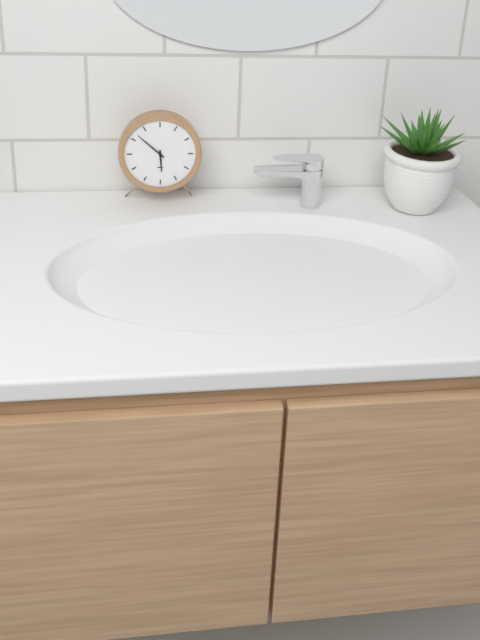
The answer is 5:52
